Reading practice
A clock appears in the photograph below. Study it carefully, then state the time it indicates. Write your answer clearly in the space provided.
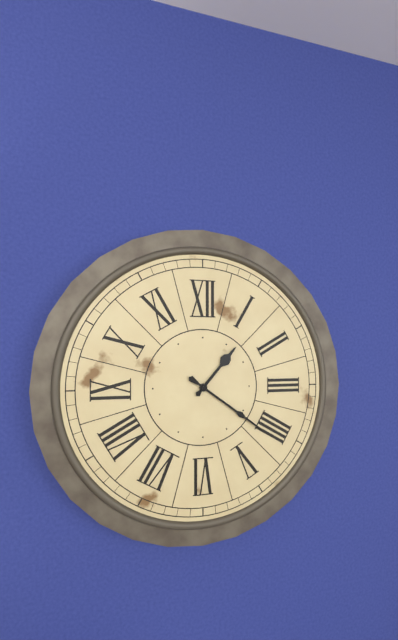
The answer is 1:21
